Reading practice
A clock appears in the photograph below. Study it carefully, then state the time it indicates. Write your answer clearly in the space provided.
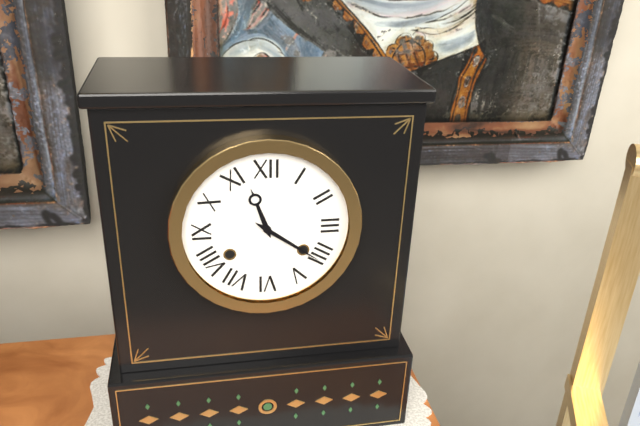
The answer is 11:21
